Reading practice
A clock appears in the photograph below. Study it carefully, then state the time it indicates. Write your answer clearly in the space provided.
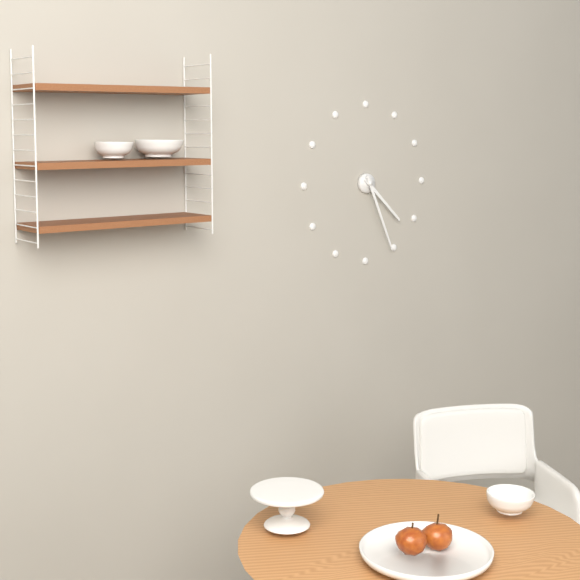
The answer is 4:26
